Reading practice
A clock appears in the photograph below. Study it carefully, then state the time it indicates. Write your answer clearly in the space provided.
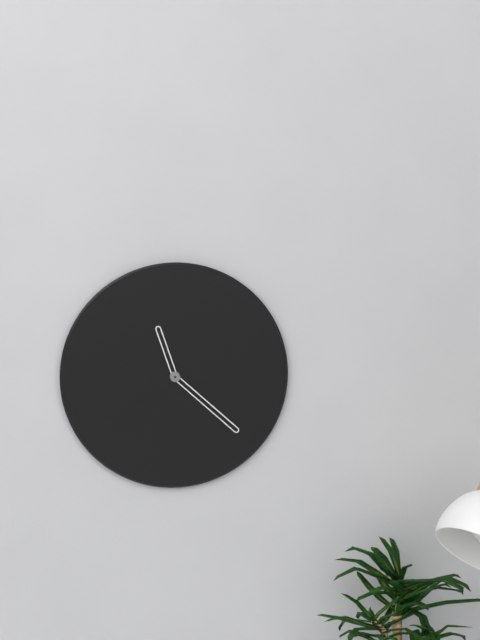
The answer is 11:22
